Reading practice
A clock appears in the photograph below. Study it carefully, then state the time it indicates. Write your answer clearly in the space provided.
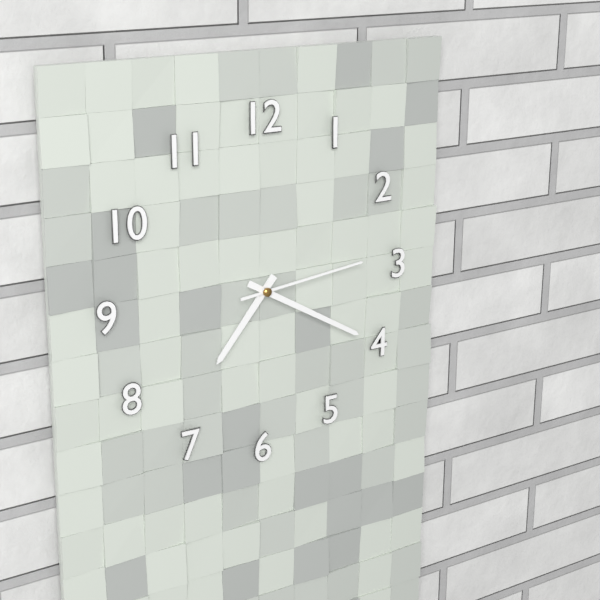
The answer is 7:20:14
